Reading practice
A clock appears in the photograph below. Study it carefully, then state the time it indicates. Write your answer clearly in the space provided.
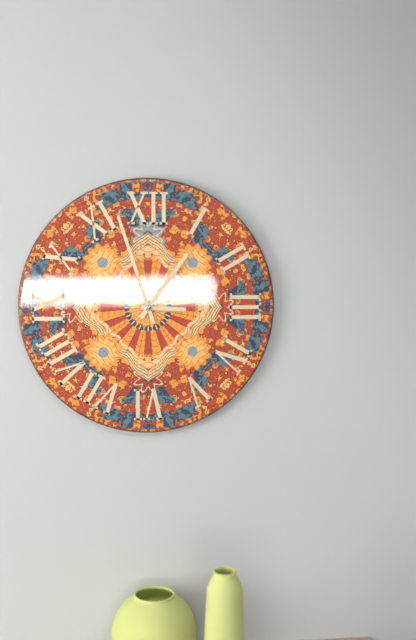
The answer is 3:06:57
